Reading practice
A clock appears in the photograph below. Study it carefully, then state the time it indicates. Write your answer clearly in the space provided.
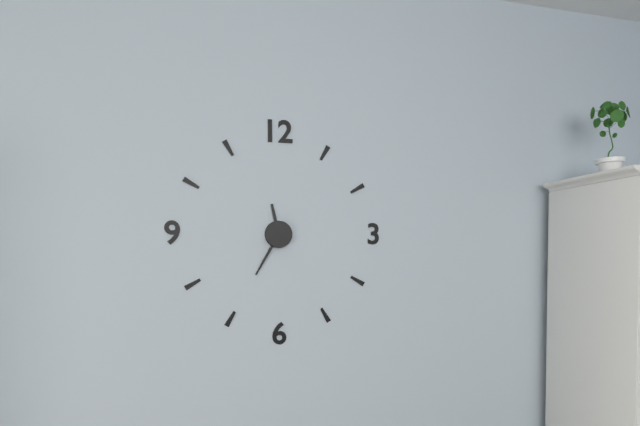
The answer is 11:35
